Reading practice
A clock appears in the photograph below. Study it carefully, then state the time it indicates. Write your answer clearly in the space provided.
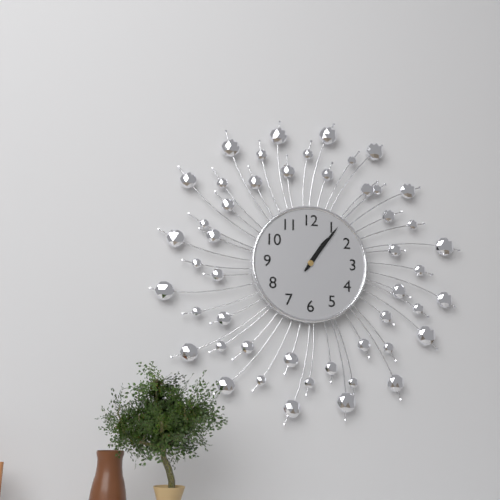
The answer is 1:06
